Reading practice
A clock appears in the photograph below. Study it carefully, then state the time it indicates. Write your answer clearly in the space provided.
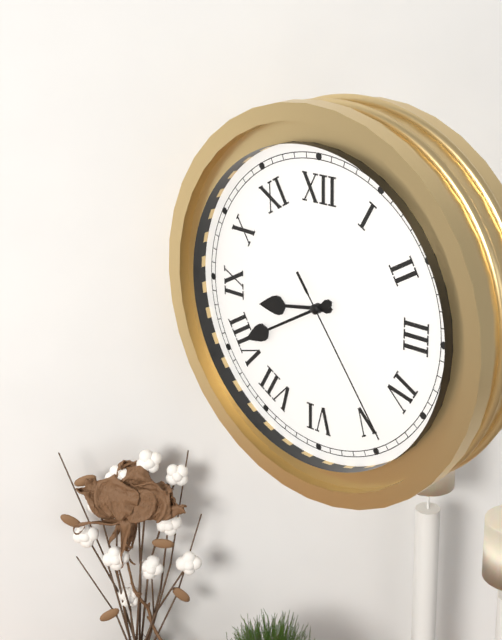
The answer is 8:40:24
